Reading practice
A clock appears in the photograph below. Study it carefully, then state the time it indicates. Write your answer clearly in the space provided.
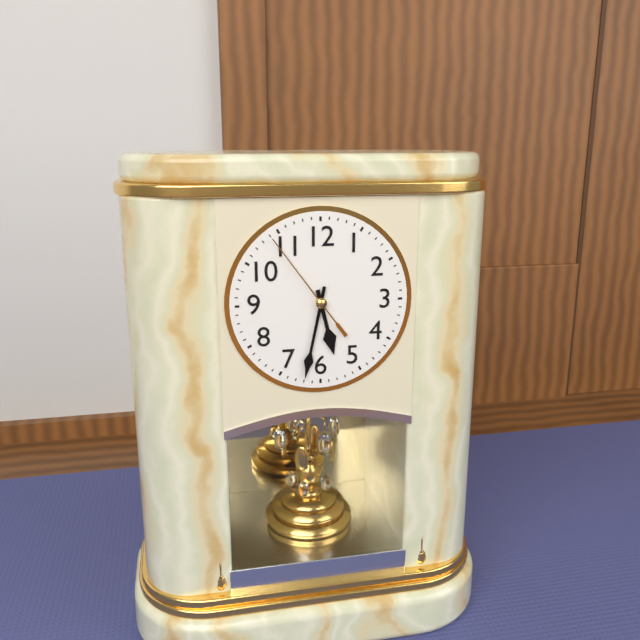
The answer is 5:32:54
